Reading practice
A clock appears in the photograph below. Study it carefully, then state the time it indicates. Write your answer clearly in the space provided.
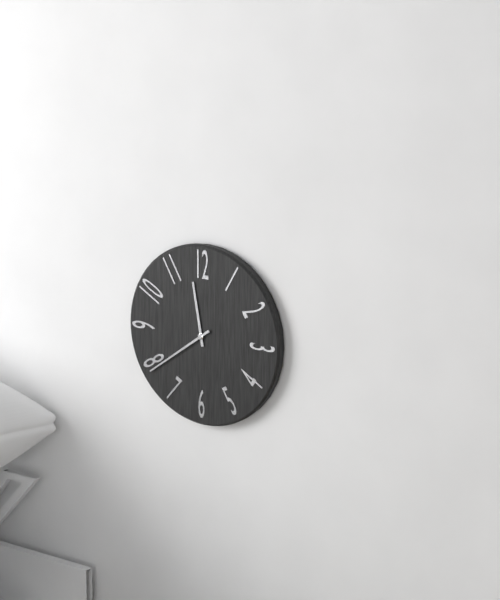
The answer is 11:39
